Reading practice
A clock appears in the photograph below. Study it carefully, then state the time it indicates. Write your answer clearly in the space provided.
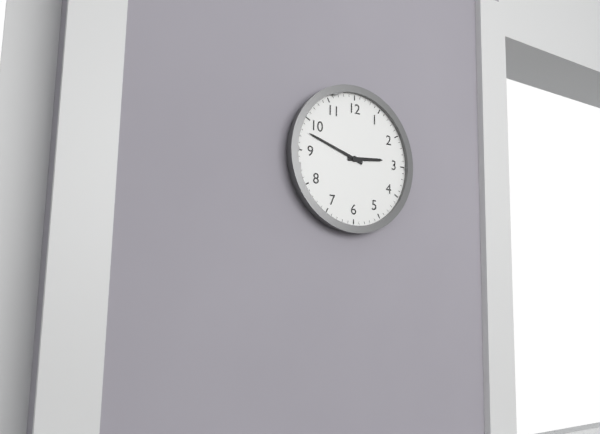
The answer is 2:48
